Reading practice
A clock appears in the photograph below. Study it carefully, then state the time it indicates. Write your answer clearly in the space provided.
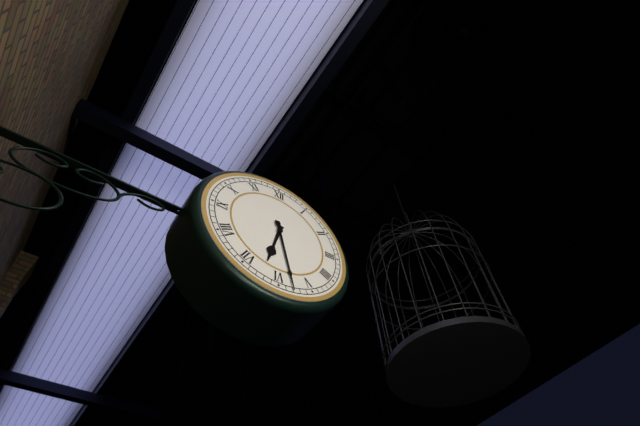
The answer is 6:28
